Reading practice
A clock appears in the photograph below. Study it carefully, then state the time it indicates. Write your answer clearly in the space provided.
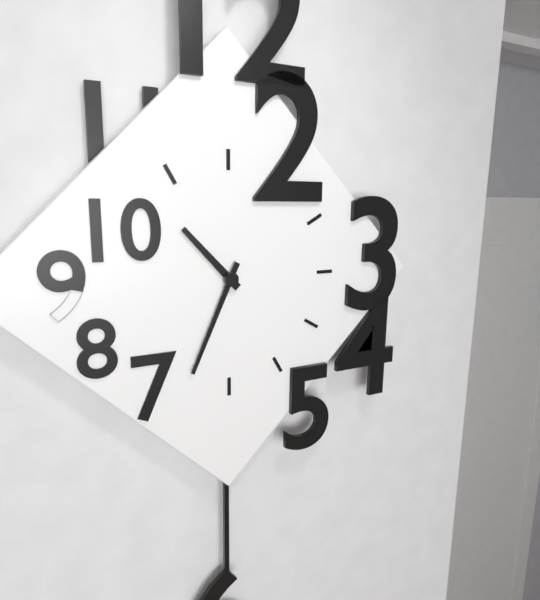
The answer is 10:34
